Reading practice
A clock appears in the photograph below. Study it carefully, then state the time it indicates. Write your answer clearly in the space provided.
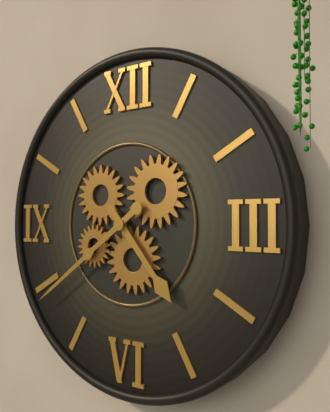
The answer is 4:39
